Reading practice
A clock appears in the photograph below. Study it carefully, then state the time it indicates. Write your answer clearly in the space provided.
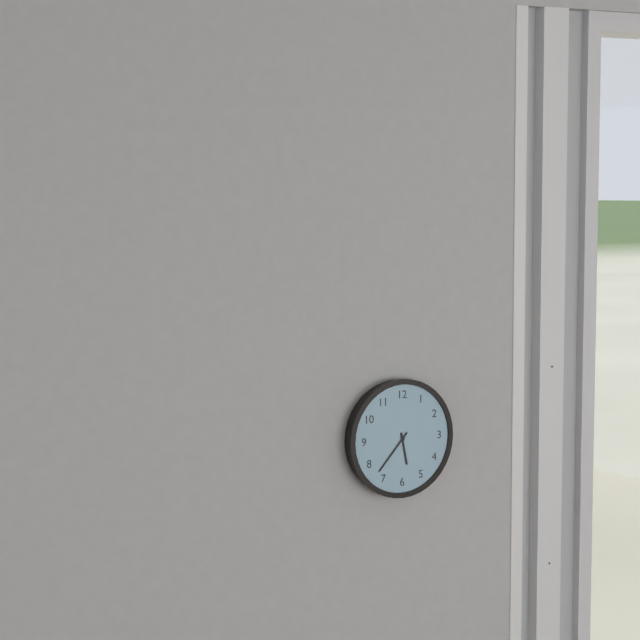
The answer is 5:37
